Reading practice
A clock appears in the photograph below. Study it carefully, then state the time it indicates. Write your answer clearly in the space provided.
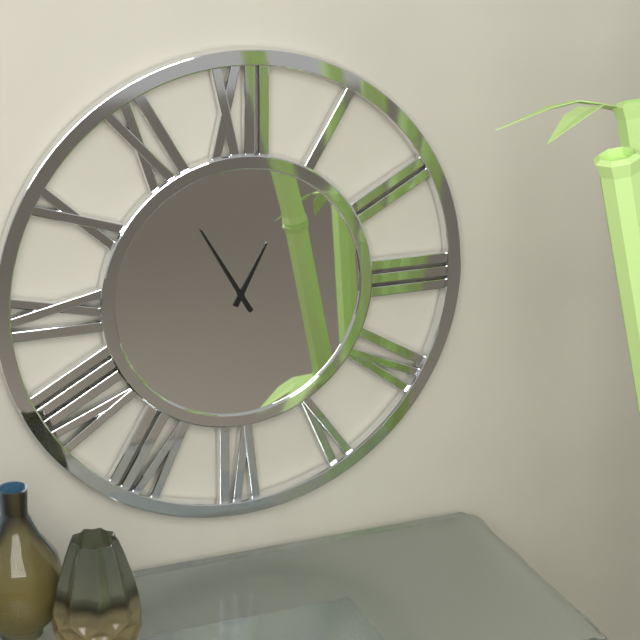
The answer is 12:55
